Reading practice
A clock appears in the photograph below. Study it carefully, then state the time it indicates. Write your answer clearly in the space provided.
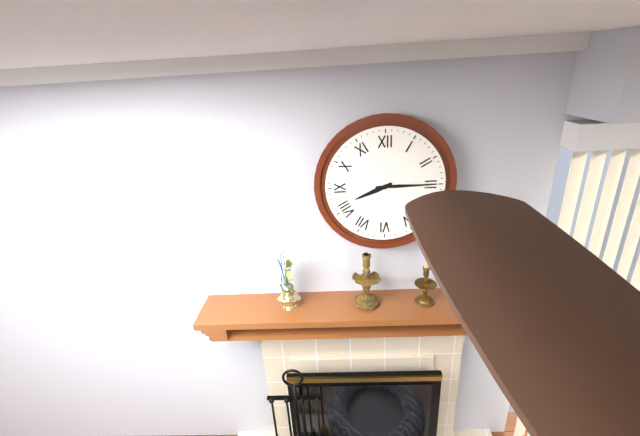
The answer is 8:15
